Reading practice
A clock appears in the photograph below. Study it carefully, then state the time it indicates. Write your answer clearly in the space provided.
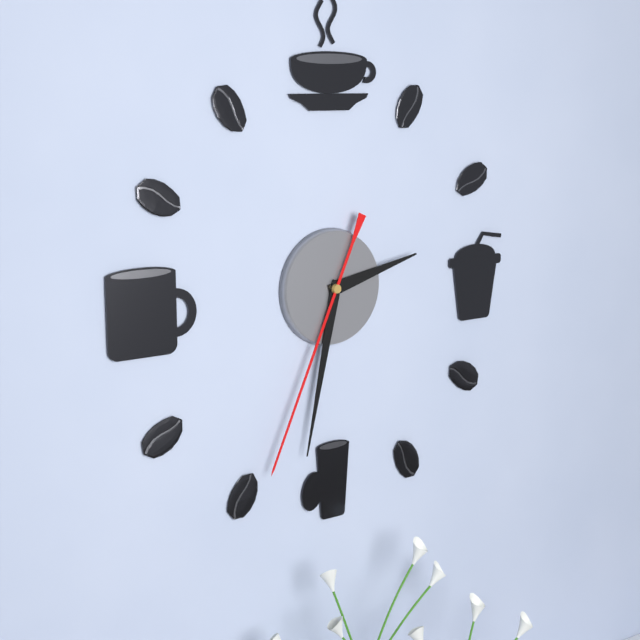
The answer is 2:32:34
